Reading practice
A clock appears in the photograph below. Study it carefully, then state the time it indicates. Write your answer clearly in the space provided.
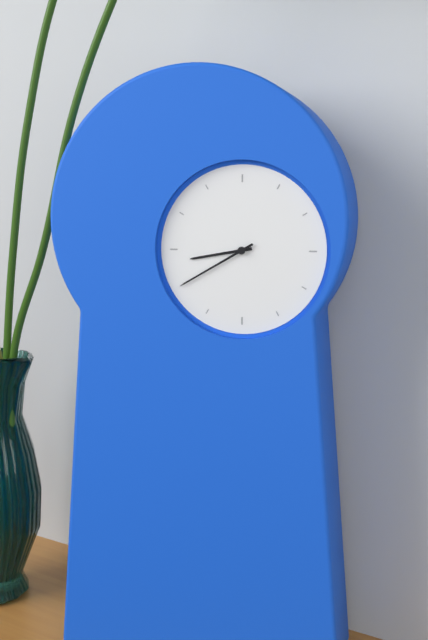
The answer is 8:40
